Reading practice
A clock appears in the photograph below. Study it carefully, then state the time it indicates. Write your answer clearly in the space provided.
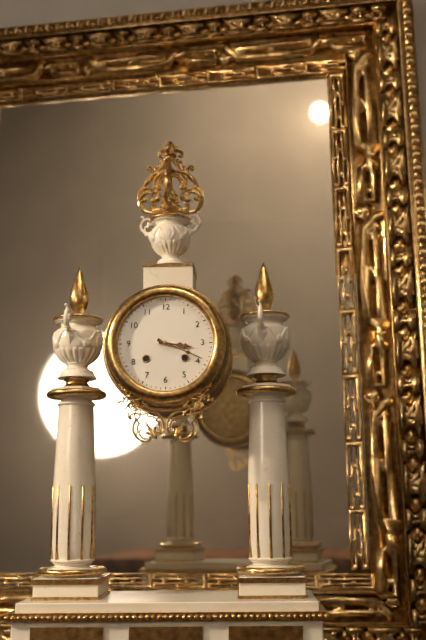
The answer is 3:19
